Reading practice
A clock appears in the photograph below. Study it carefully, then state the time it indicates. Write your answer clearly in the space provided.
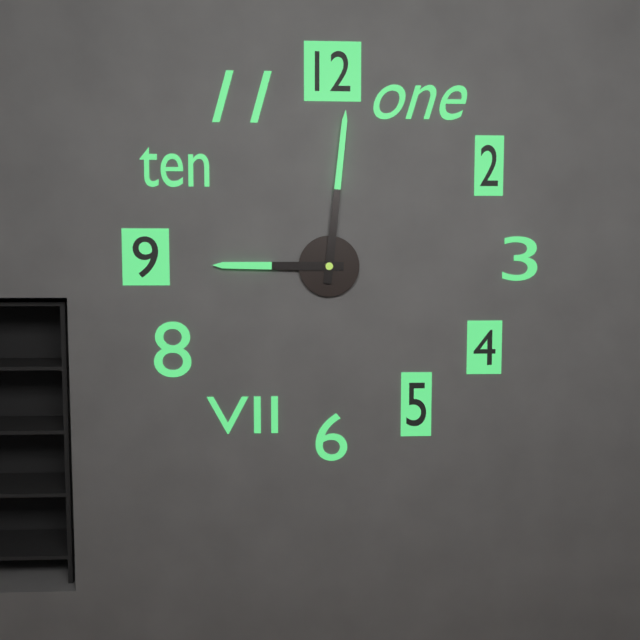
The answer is 9:01
